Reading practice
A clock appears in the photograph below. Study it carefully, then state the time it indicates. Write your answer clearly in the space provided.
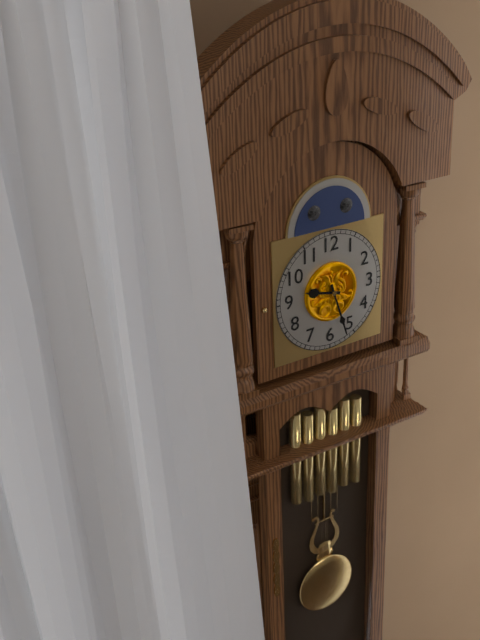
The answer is 9:27
